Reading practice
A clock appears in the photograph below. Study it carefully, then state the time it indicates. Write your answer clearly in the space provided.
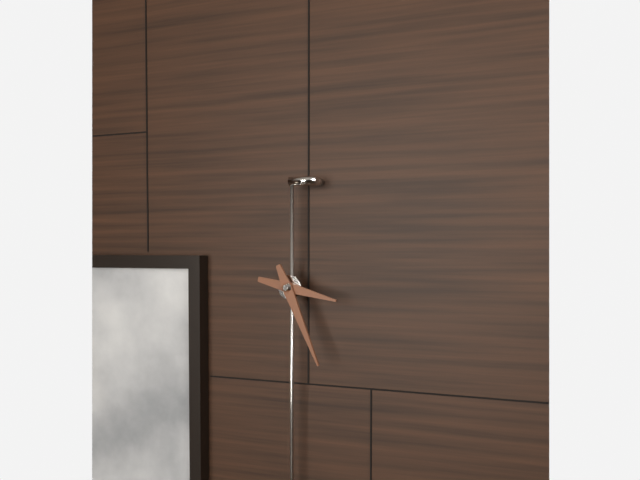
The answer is 3:26
